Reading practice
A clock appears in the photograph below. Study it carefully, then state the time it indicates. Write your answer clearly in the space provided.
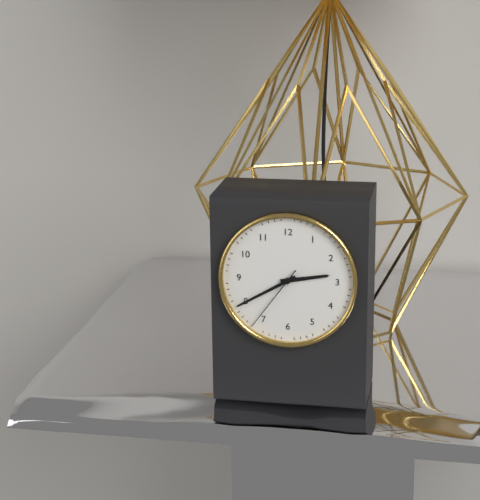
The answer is 2:40:36
